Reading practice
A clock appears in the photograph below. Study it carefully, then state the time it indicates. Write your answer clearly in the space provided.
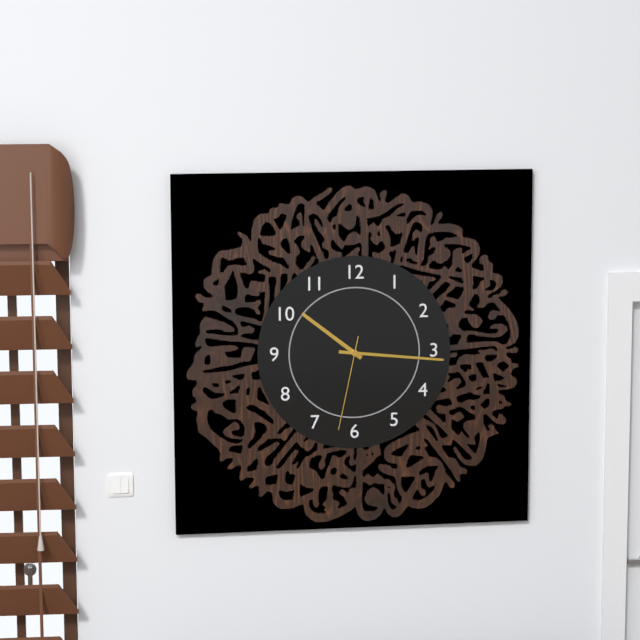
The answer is 10:16:32
